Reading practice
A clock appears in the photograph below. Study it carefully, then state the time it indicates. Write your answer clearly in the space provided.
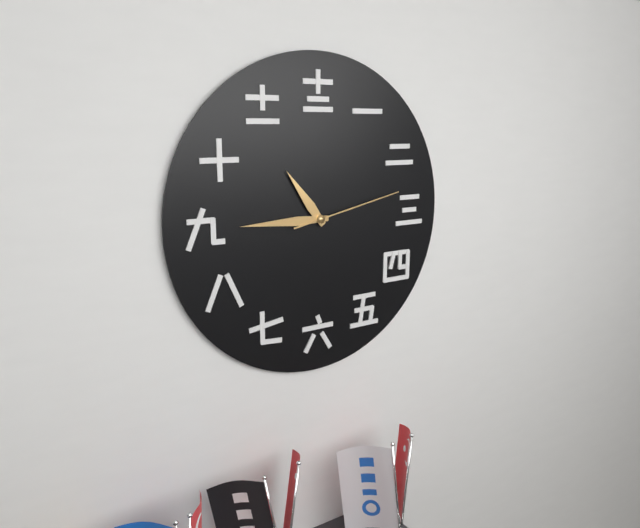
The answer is 10:45:13
